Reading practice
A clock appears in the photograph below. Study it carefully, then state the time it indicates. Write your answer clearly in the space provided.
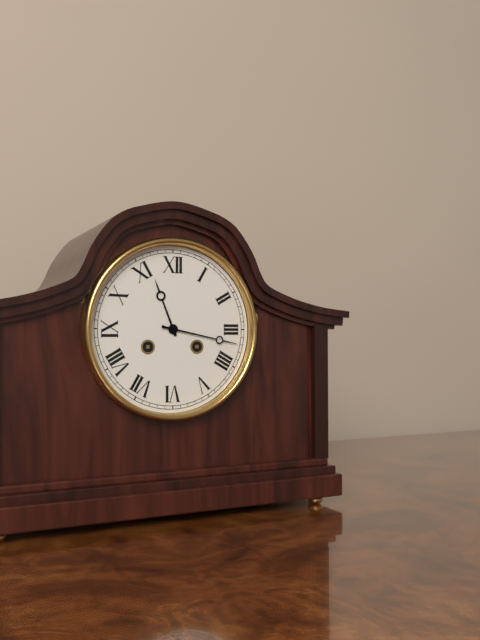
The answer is 11:17
